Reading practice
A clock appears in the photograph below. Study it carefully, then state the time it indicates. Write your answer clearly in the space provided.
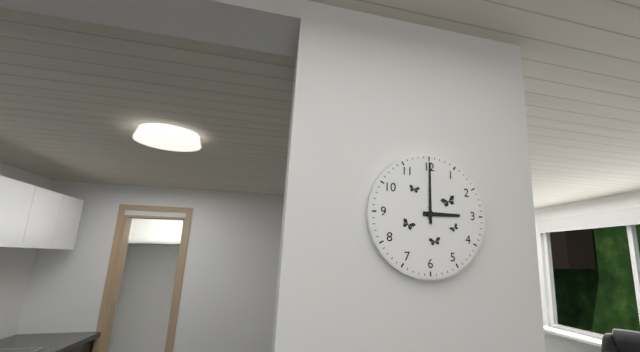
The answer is 3:00
